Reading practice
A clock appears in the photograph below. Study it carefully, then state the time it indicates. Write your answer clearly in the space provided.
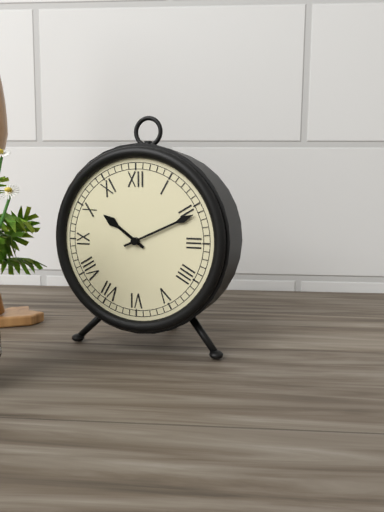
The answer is 10:11
